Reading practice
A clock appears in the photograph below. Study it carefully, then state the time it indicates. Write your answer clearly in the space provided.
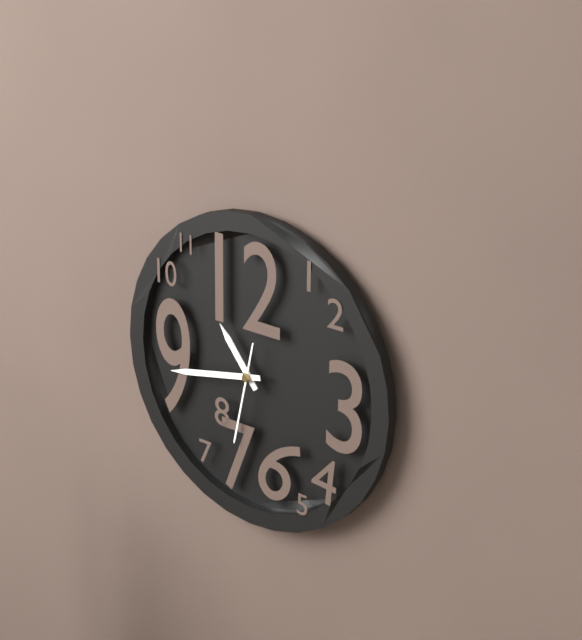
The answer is 10:43:32
